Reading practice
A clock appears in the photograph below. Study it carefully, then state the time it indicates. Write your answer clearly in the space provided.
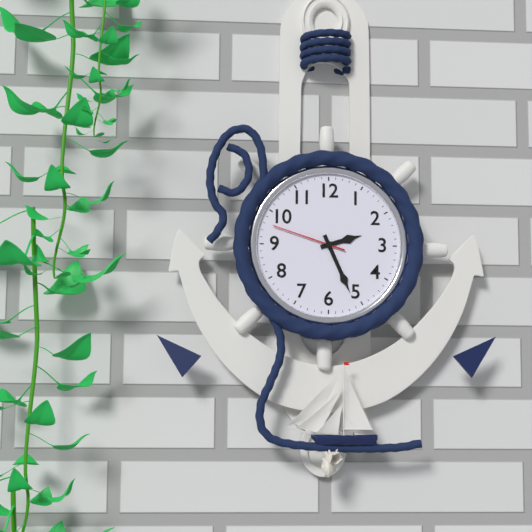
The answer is 2:26:48
